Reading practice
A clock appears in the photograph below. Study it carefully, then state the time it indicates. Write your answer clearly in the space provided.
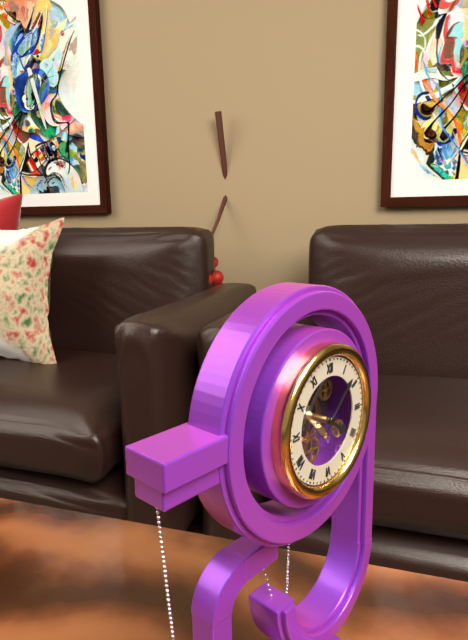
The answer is 4:08
